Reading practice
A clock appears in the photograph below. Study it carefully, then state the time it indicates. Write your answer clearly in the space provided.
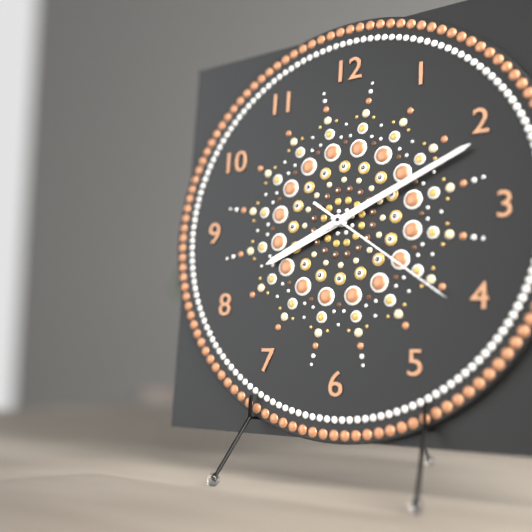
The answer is 8:11:21
